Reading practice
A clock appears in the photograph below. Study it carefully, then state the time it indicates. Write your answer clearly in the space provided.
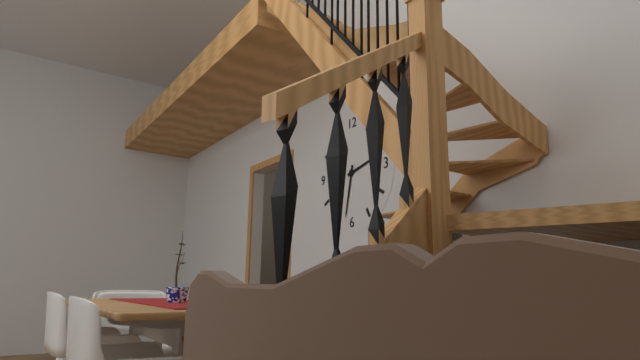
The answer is 2:32
